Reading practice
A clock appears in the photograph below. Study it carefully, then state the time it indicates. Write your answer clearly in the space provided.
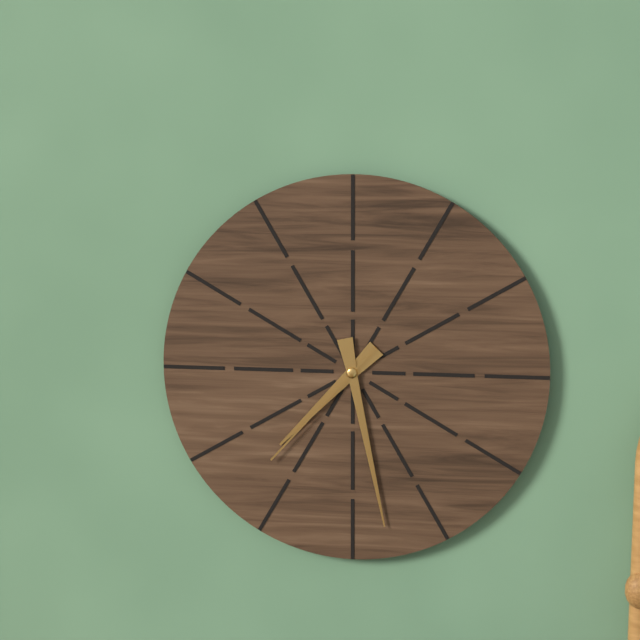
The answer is 7:28:37
